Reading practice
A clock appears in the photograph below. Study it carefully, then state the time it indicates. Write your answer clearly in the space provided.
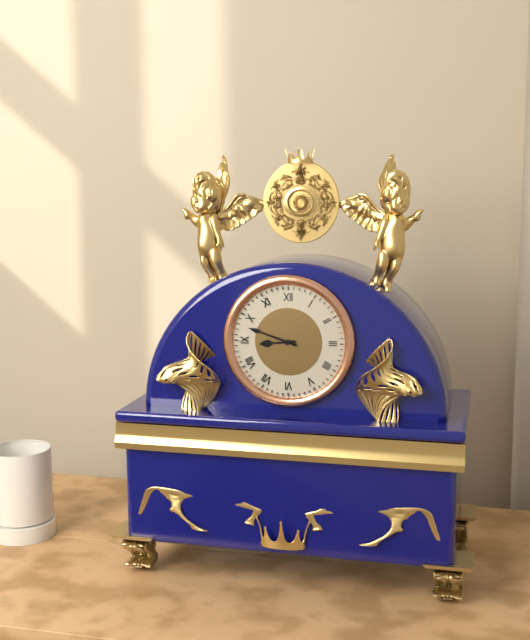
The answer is 8:48
